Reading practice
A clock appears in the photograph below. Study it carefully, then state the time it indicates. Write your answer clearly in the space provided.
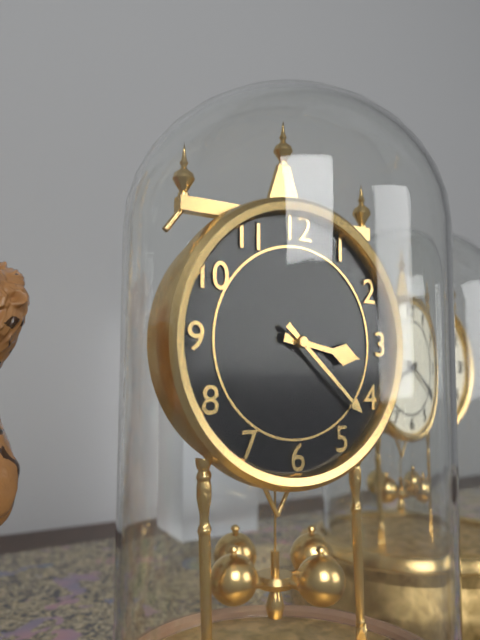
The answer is 3:22
